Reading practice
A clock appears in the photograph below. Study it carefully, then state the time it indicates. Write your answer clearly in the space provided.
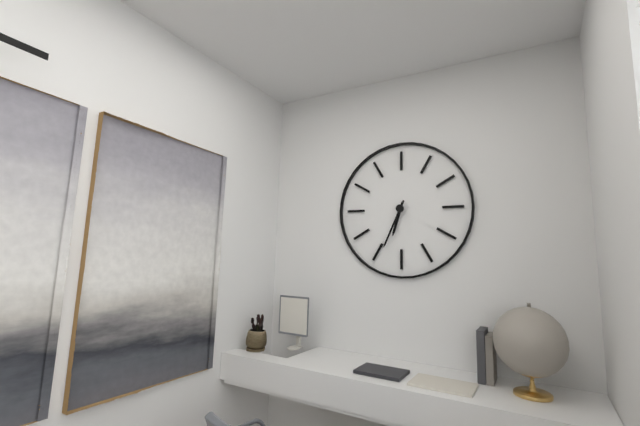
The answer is 6:34
